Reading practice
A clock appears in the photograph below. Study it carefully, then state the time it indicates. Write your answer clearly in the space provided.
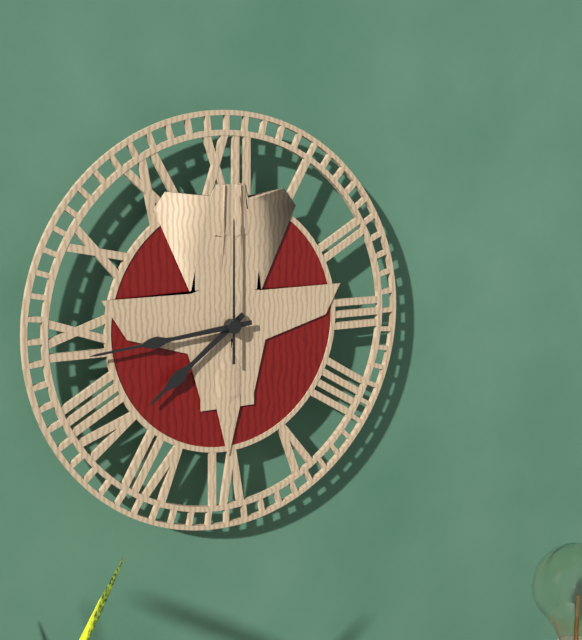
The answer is 7:44:00
